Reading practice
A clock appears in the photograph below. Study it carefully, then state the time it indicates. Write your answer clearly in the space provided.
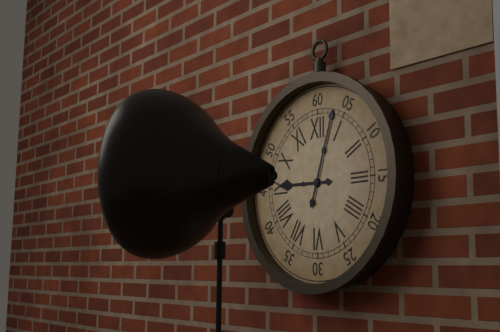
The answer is 9:03
